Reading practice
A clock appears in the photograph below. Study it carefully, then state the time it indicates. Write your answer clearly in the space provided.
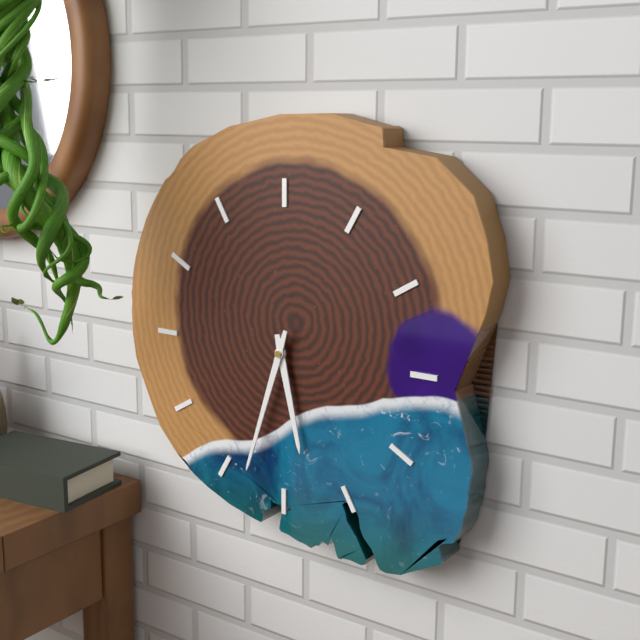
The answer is 5:33
